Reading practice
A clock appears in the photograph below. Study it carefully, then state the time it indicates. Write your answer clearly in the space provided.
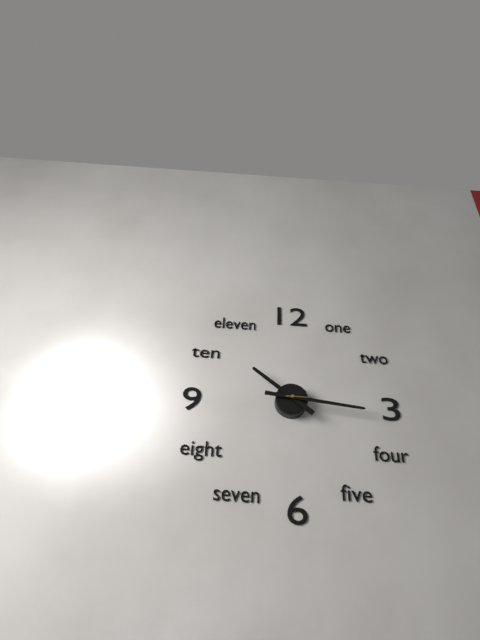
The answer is 10:16
